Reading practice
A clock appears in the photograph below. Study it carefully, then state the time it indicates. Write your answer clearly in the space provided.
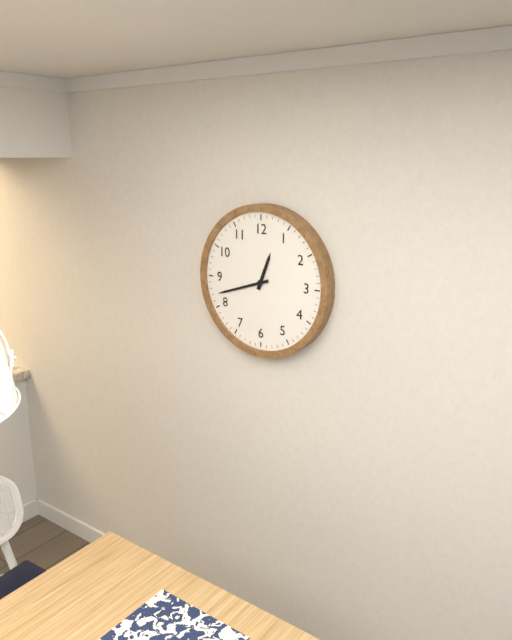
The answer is 12:42
